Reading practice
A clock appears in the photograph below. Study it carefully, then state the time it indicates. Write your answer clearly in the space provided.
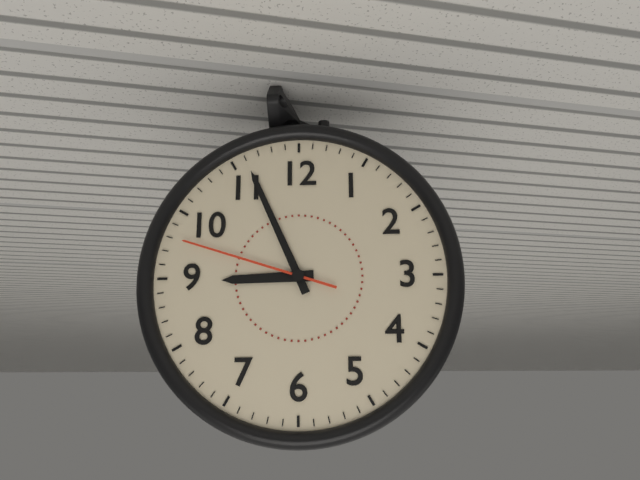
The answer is 8:56:48
